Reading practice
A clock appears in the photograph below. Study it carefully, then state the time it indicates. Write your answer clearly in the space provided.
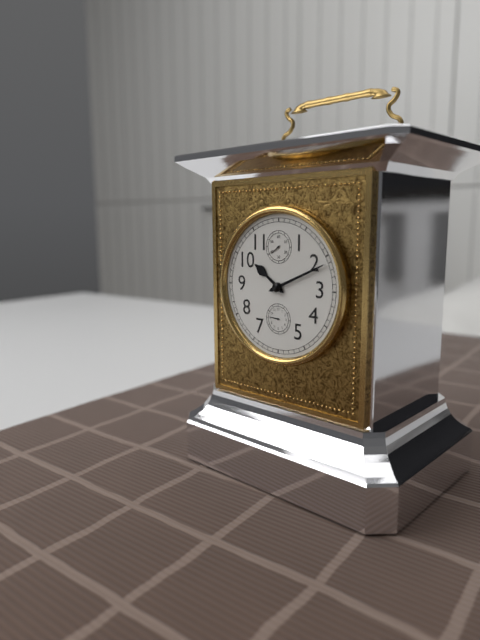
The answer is 10:11
